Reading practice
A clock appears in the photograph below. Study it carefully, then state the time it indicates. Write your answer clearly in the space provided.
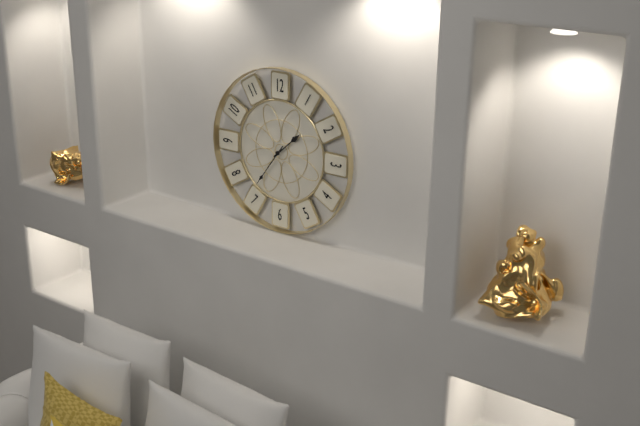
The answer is 1:36
